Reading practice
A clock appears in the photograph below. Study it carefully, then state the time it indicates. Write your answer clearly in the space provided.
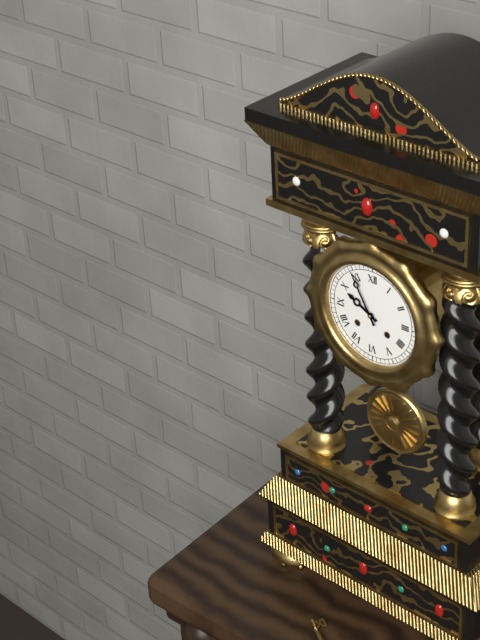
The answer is 9:55
